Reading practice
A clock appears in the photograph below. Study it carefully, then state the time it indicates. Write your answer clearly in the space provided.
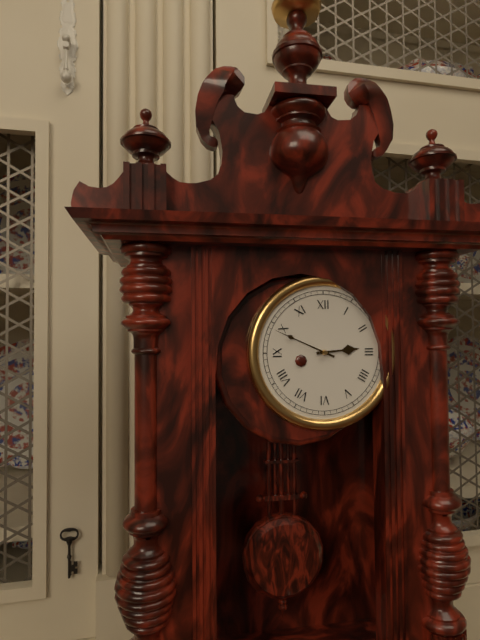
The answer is 2:49
